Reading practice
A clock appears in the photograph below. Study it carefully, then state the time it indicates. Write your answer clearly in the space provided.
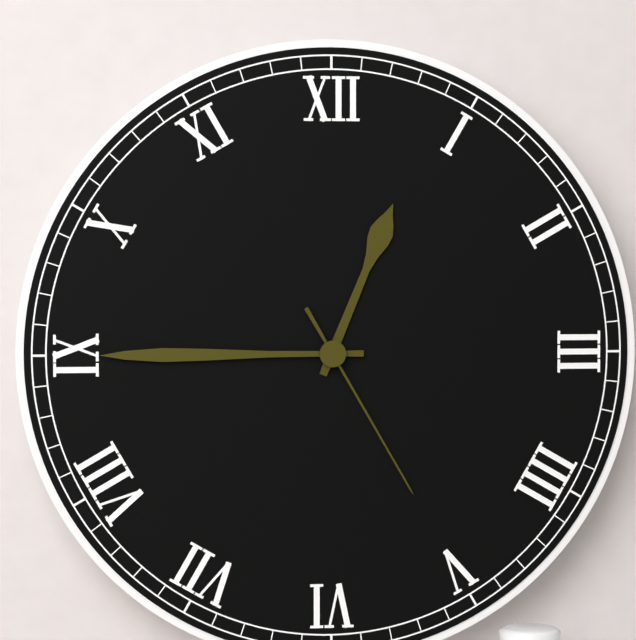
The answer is 12:45:25
